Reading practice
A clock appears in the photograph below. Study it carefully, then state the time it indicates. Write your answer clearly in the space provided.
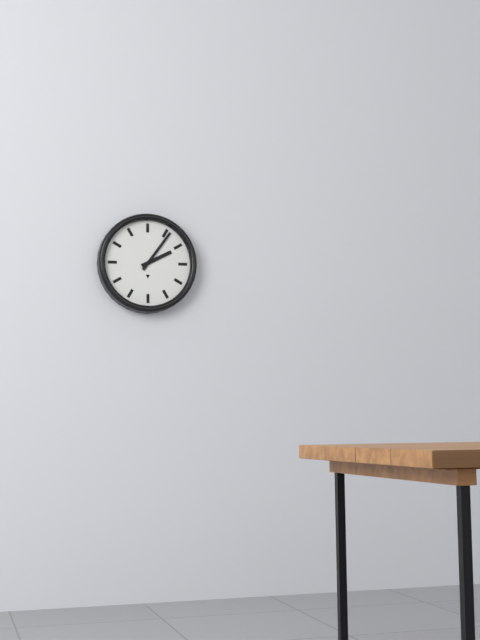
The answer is 2:06
